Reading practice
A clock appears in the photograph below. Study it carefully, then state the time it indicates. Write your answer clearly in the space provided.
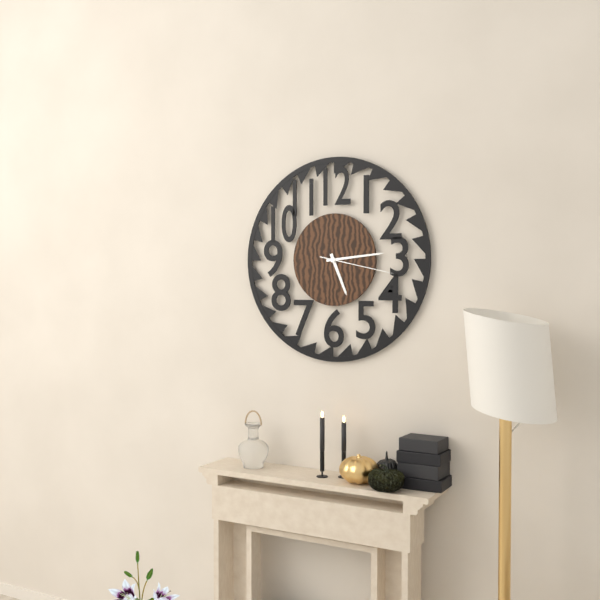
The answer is 5:14:17
